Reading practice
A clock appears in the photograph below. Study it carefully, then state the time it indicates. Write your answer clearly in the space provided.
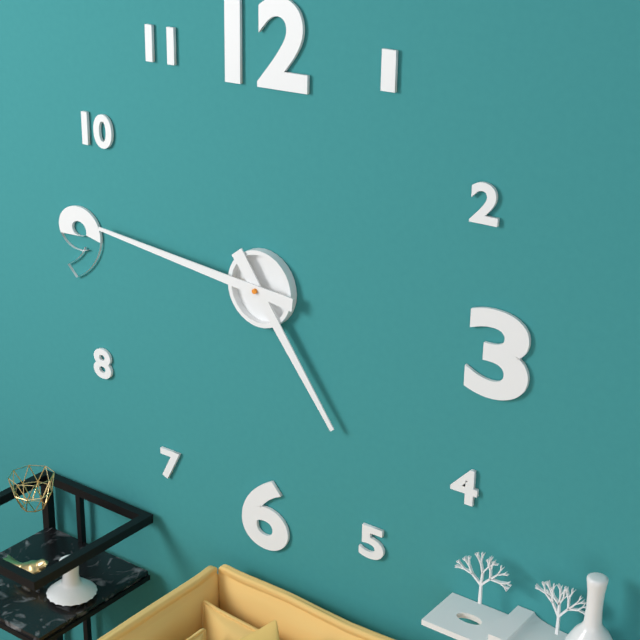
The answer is 4:46
